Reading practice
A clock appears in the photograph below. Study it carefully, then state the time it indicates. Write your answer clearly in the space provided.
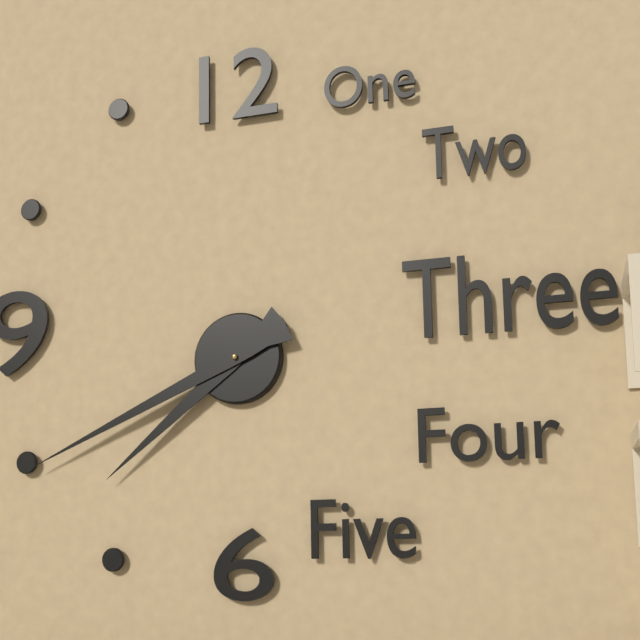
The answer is 7:41
